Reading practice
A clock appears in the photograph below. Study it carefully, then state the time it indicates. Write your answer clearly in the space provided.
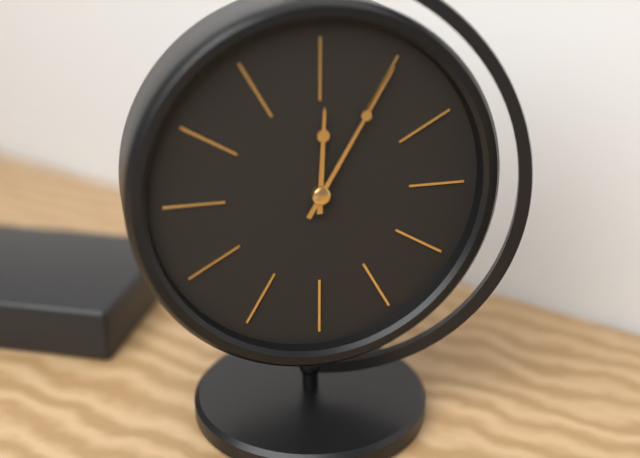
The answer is 12:05
